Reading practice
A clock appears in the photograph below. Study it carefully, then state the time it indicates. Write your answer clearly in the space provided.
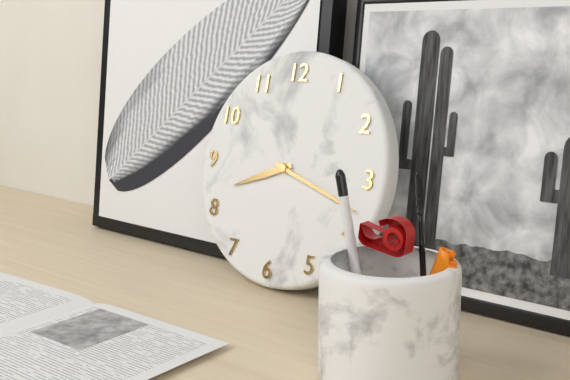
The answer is 8:18
